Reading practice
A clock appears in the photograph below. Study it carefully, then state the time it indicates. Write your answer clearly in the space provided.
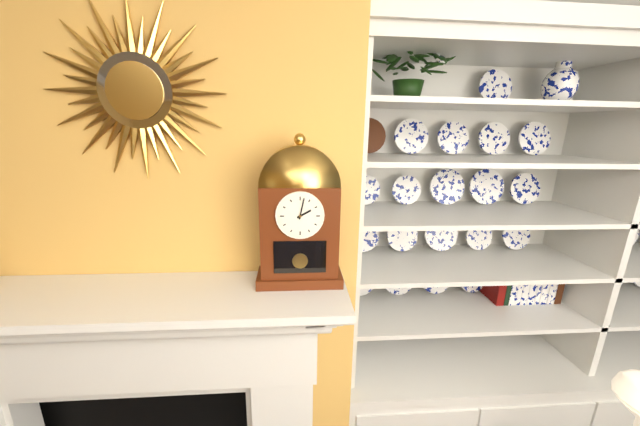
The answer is 2:02
